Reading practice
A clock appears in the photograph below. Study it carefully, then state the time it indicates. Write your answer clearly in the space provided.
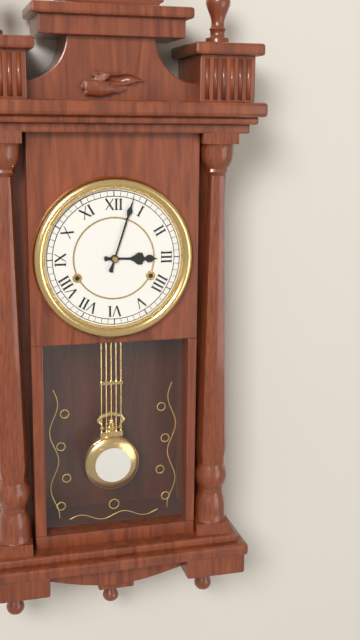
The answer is 3:03
